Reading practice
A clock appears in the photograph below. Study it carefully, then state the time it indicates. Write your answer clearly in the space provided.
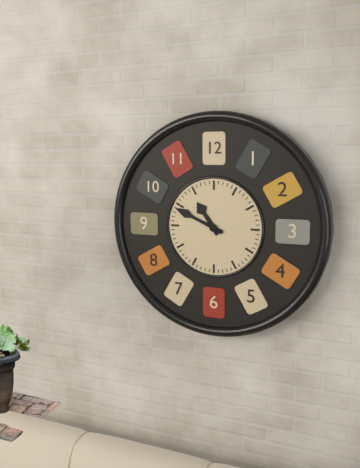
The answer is 10:49
